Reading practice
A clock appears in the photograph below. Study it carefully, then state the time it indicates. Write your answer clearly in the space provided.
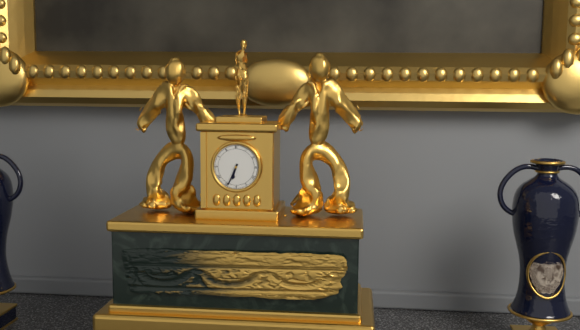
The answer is 6:34
